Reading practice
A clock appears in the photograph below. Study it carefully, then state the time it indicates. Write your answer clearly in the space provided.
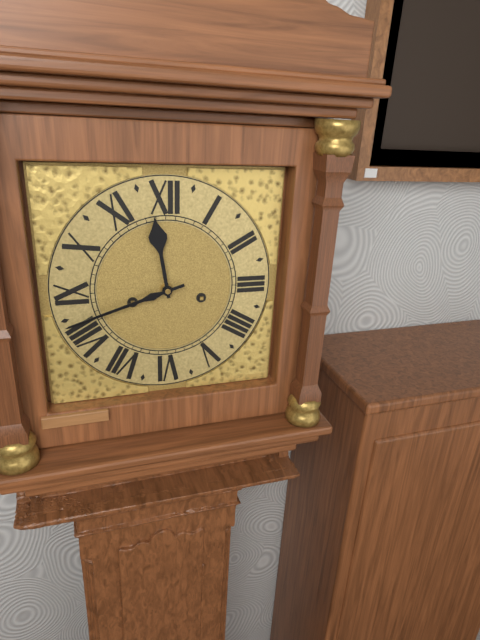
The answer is 11:42
